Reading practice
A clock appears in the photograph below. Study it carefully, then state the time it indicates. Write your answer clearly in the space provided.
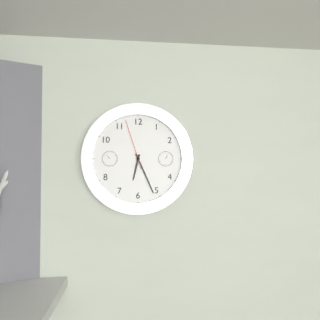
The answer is 6:26:57
